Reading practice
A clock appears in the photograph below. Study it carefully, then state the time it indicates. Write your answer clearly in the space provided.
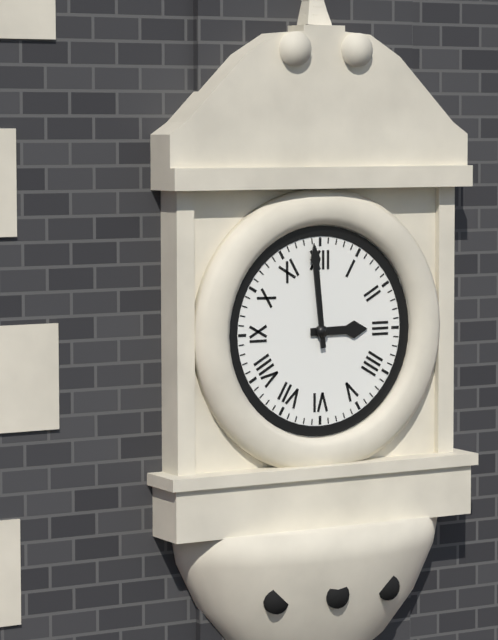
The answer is 2:59
